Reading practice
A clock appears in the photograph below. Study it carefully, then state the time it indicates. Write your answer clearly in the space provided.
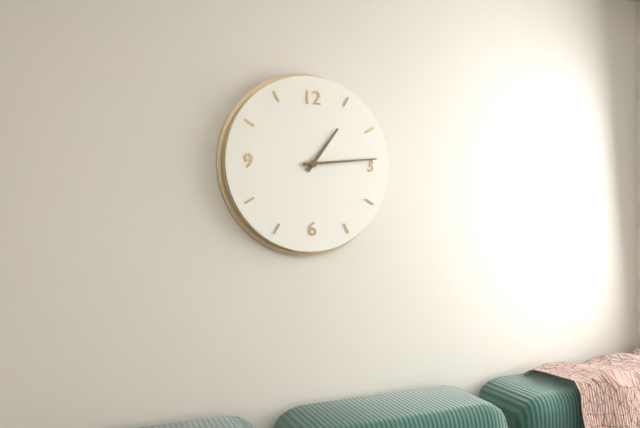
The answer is 1:14
